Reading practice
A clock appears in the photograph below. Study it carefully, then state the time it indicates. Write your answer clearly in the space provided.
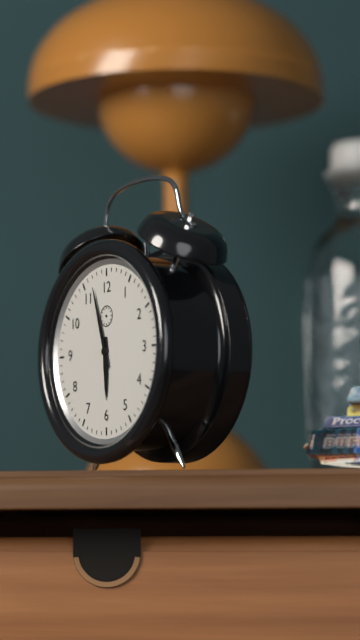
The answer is 5:57
